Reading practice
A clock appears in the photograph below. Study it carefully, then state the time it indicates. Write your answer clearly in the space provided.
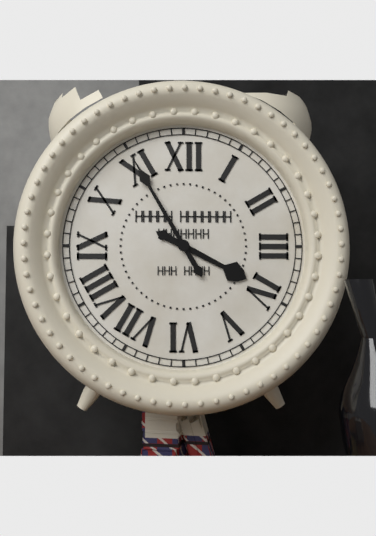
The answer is 3:55
